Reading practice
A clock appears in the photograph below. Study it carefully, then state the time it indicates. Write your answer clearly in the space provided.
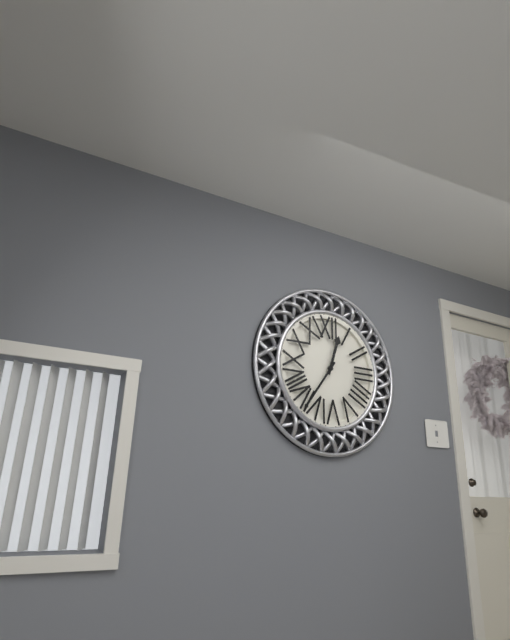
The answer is 12:36
